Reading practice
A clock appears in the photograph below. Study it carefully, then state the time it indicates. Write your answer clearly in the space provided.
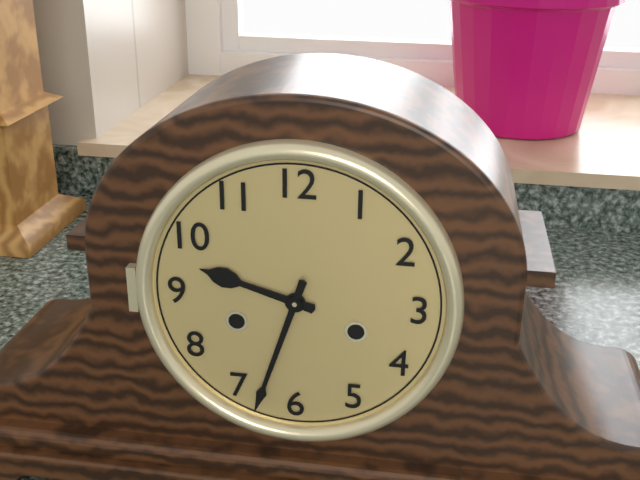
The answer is 9:33
